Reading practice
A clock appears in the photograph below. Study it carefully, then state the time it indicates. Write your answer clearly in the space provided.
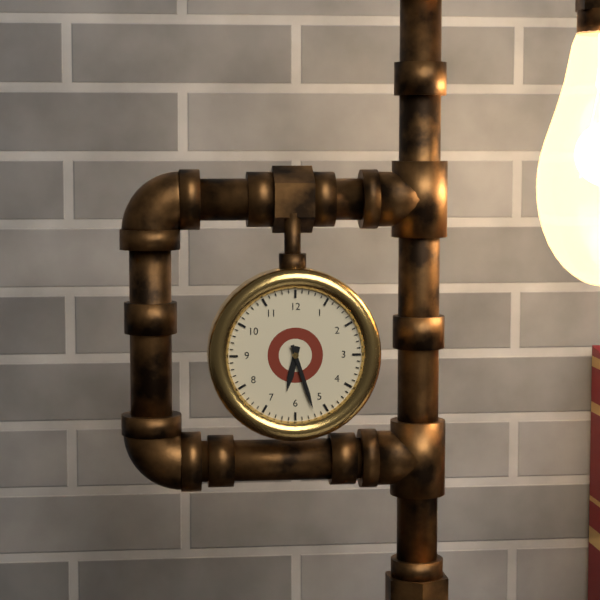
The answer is 6:27
